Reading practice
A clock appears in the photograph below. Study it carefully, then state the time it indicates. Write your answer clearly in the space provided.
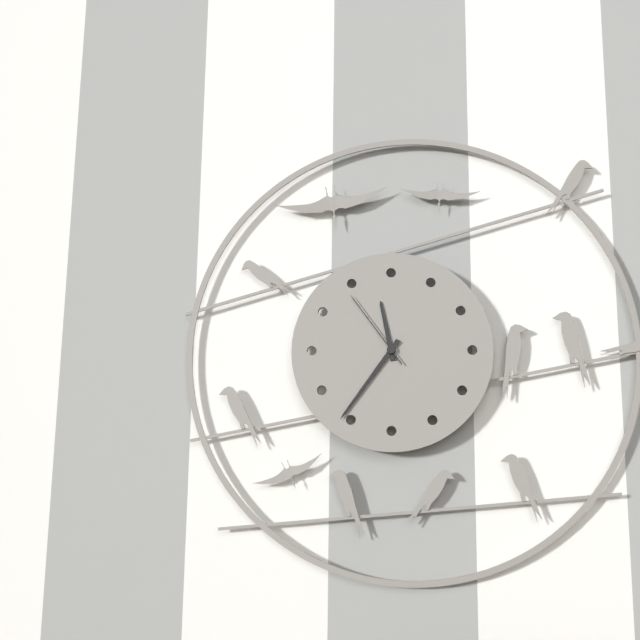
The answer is 11:36:54
